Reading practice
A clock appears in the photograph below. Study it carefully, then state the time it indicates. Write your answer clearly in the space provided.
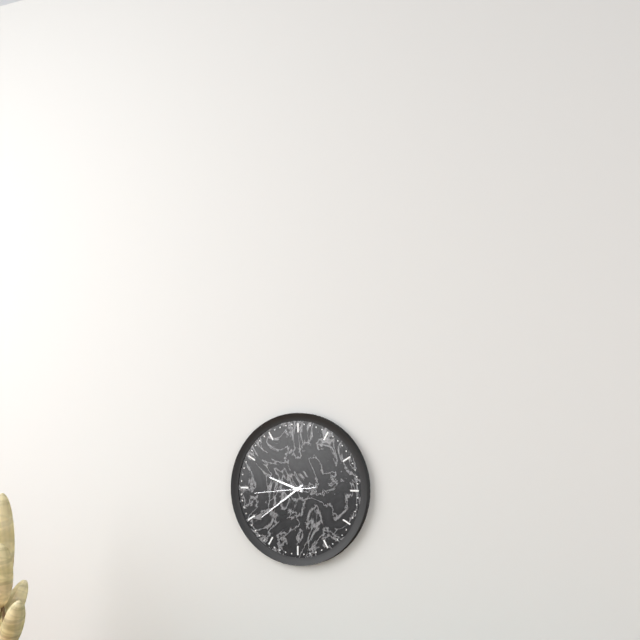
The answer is 9:39:44
